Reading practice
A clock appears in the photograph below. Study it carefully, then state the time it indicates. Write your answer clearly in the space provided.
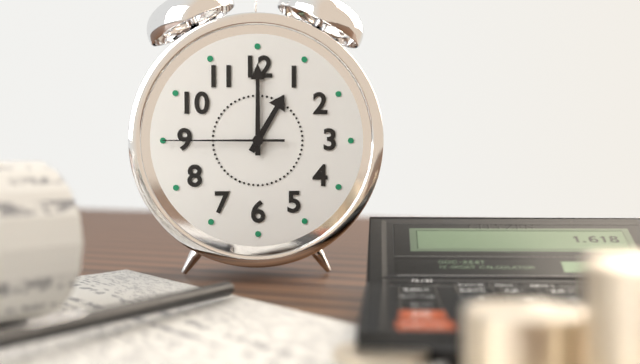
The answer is 1:00:45
